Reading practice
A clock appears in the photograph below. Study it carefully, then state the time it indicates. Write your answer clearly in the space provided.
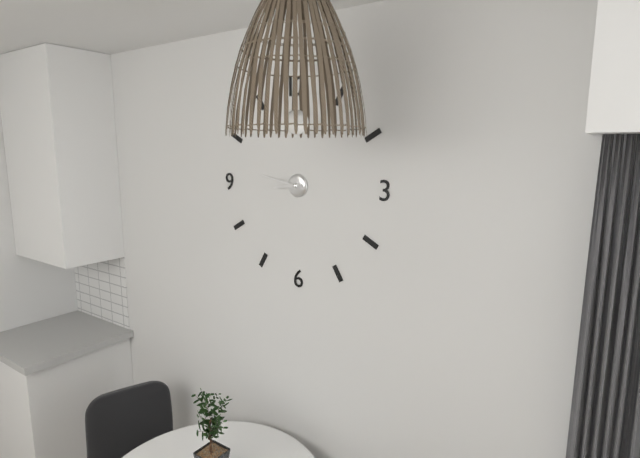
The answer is 8:47
